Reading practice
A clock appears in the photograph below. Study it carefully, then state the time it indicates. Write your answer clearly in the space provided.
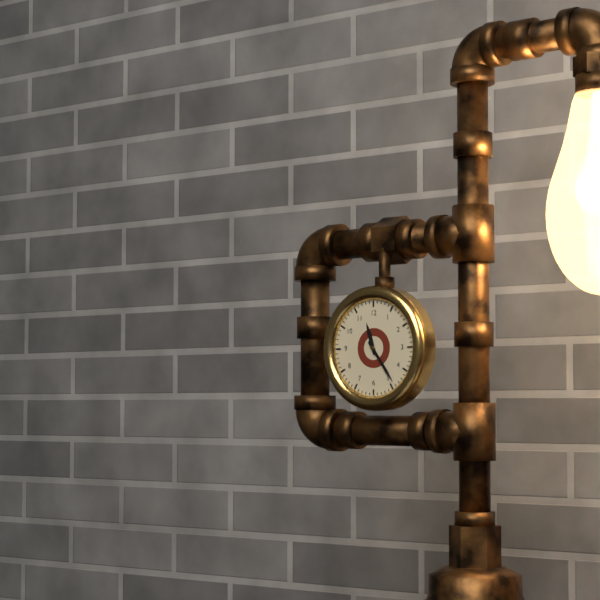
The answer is 11:24
